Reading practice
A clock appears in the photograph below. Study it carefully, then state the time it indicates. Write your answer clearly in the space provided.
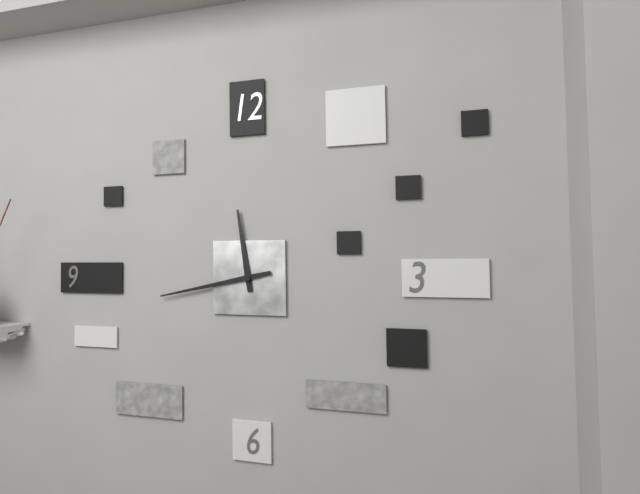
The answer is 11:43
